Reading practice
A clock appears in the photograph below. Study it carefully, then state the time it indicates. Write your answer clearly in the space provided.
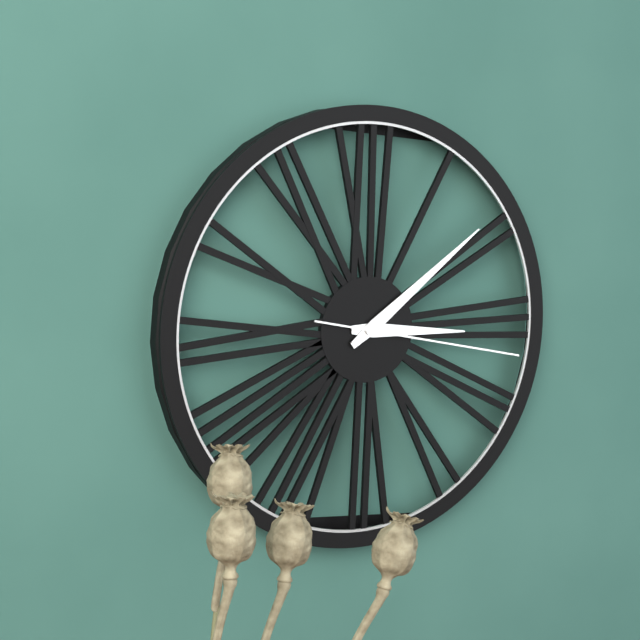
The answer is 3:09:17
